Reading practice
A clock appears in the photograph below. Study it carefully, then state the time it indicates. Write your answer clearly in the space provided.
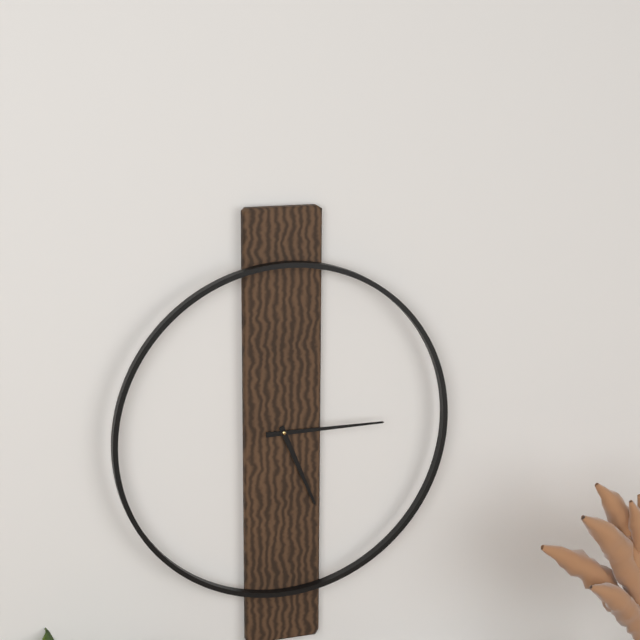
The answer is 5:15
